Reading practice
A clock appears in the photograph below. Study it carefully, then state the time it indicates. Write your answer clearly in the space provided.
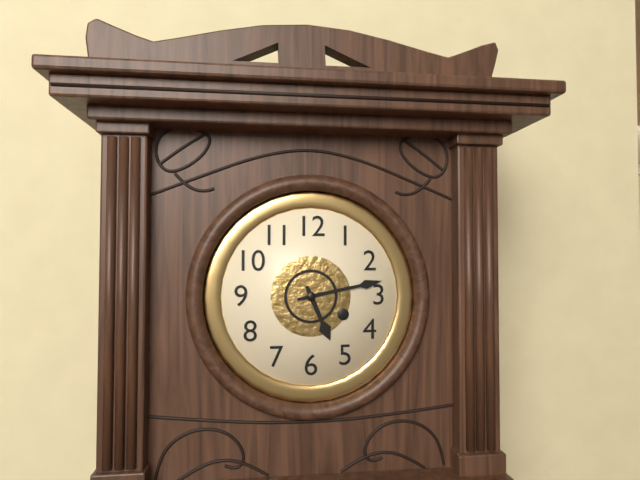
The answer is 5:13
